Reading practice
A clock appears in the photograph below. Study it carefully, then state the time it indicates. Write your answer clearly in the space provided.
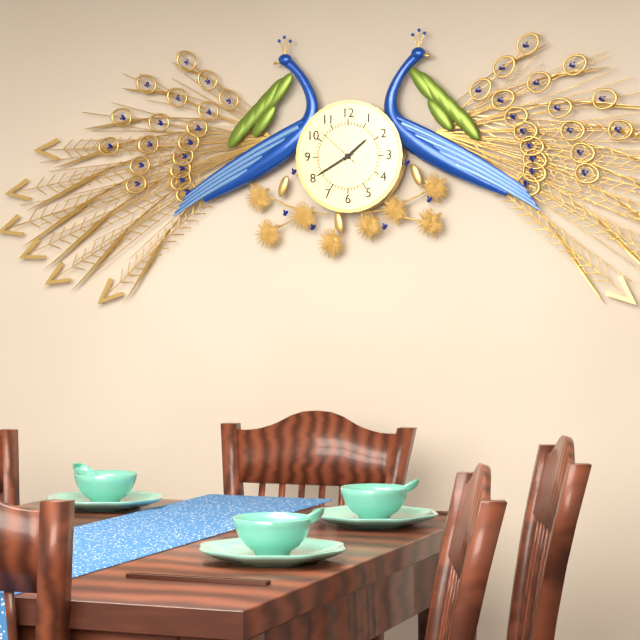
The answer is 1:40:52
